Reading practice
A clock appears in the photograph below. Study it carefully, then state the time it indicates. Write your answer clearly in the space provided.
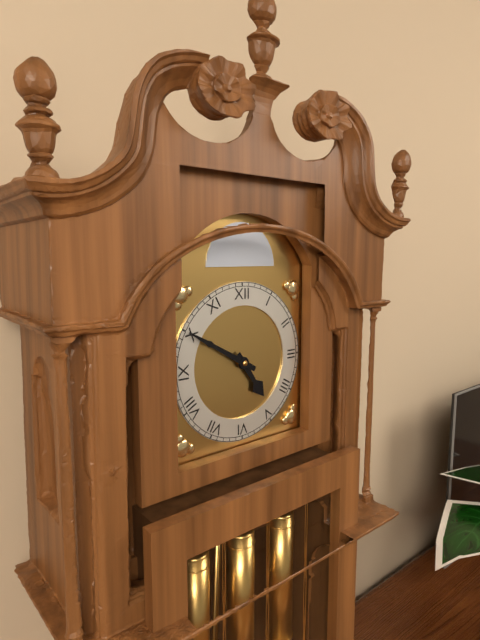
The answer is 4:50
